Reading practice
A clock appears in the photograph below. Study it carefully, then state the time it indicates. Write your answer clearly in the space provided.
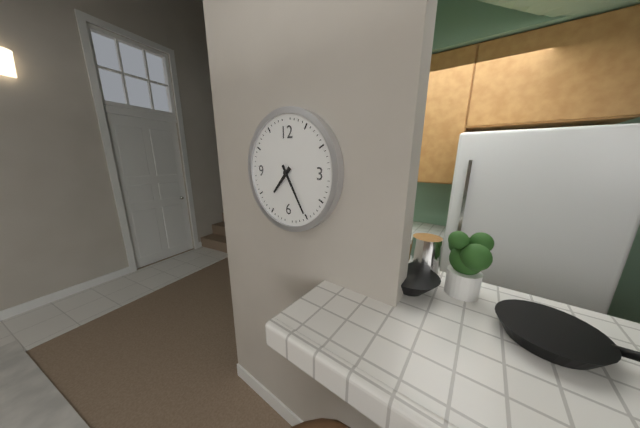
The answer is 7:25
